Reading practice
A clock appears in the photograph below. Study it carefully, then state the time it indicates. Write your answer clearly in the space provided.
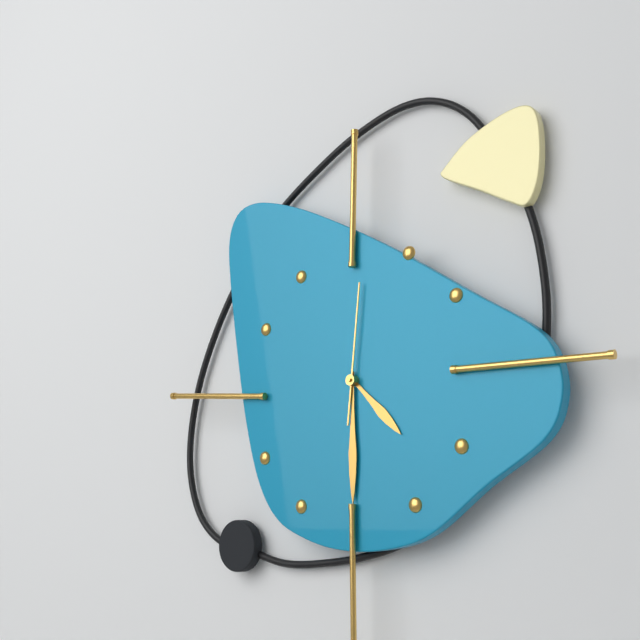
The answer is 4:30:01
